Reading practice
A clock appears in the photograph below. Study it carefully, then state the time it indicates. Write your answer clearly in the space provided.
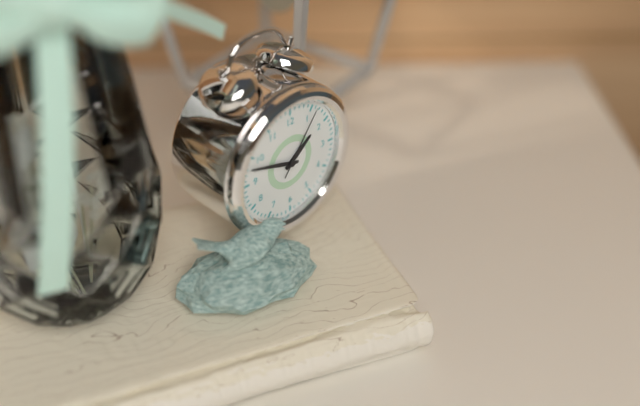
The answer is 1:48:06
